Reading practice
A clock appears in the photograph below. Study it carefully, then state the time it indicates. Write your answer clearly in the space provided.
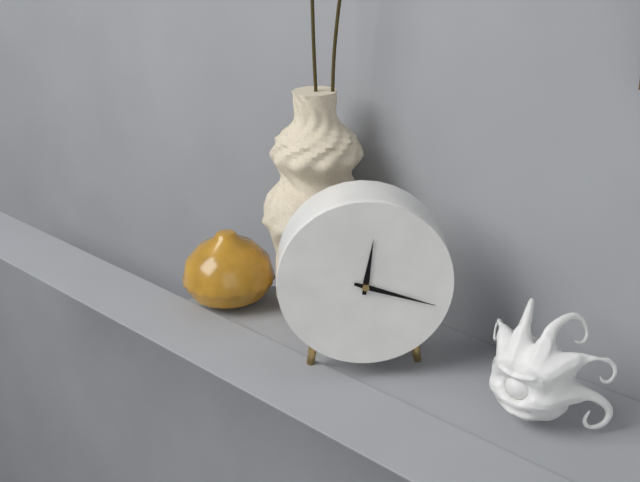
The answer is 12:18
